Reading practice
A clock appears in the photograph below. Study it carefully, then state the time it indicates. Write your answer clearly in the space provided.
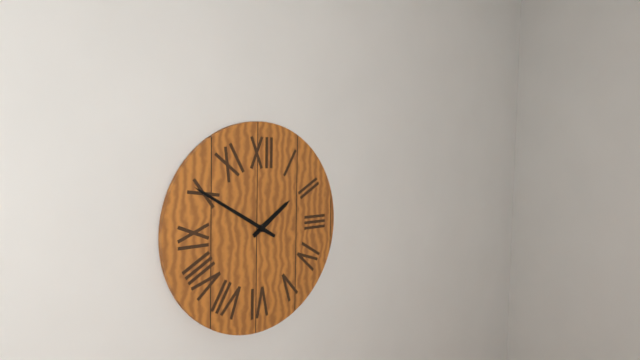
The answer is 1:50
